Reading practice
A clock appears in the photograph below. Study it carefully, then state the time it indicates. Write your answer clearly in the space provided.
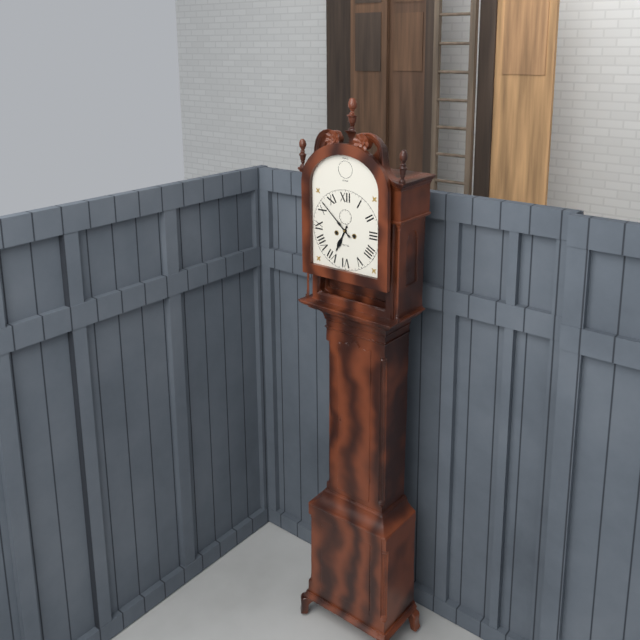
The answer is 6:52
